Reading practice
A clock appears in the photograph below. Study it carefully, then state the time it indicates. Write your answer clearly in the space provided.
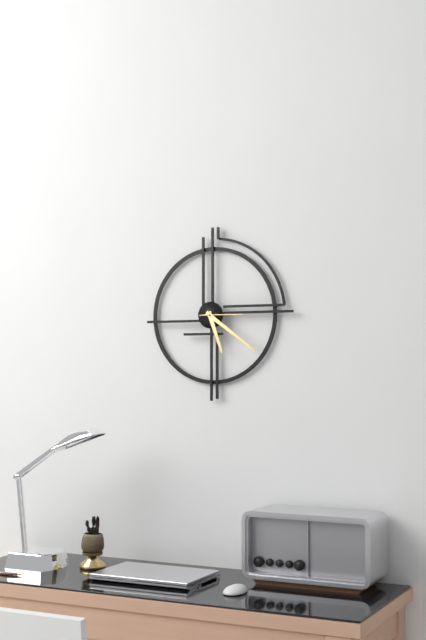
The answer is 5:21
